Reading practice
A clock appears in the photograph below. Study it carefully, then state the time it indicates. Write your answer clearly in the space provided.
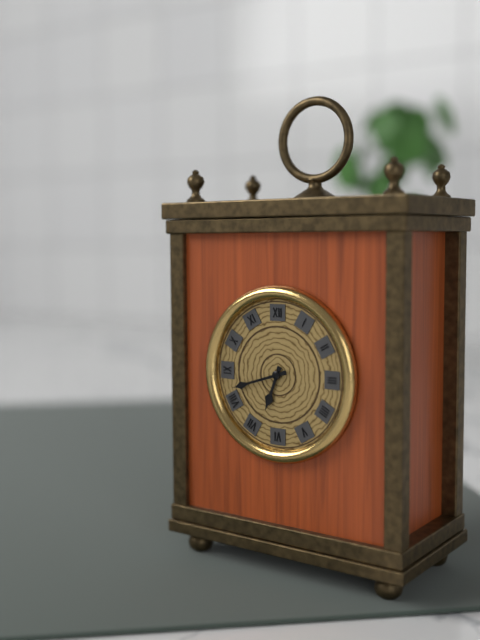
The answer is 6:42
